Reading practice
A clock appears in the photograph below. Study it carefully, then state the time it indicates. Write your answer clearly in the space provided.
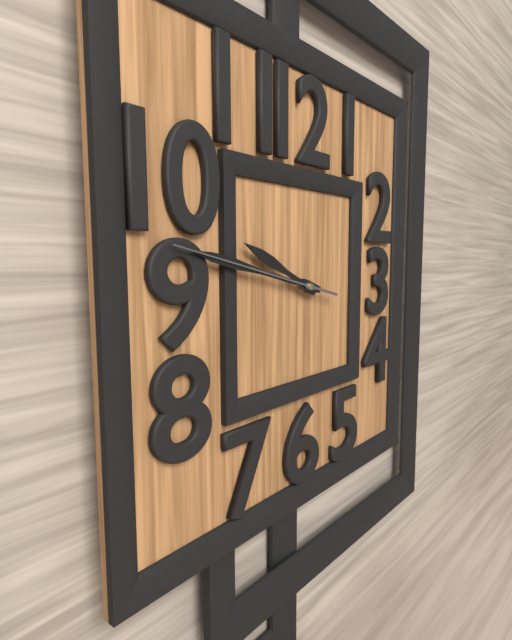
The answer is 9:47:47
